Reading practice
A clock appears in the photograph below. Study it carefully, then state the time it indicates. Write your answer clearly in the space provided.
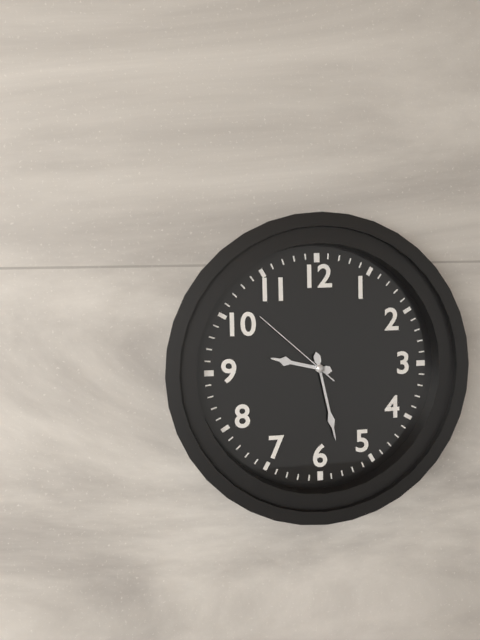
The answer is 9:28:52
